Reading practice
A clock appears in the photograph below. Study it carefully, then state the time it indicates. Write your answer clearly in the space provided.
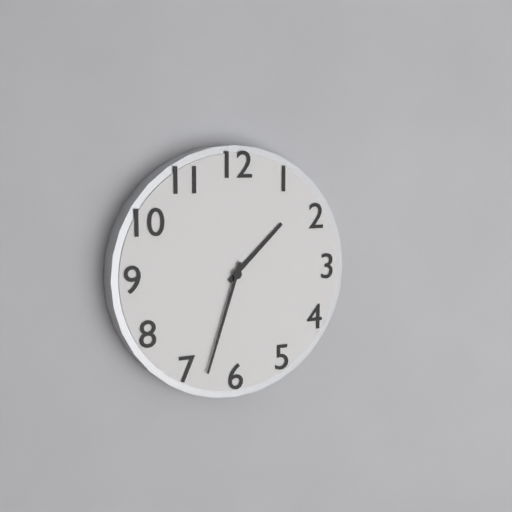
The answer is 1:33
